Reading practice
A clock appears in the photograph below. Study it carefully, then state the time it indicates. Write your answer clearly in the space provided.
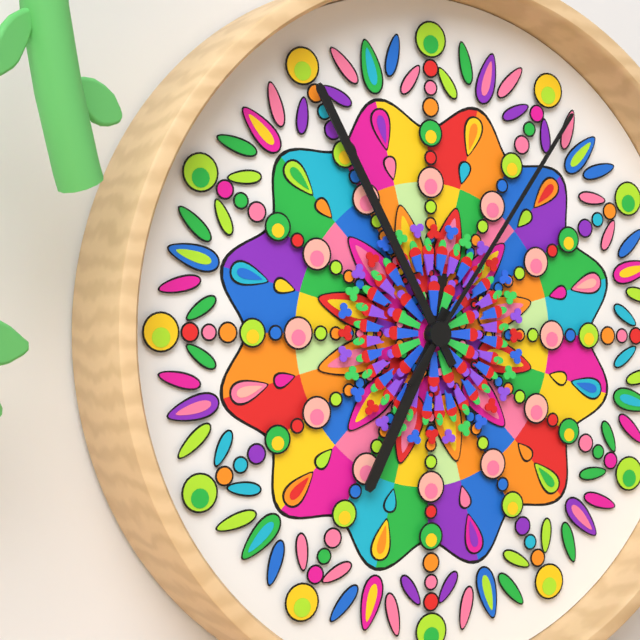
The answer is 6:55:06
